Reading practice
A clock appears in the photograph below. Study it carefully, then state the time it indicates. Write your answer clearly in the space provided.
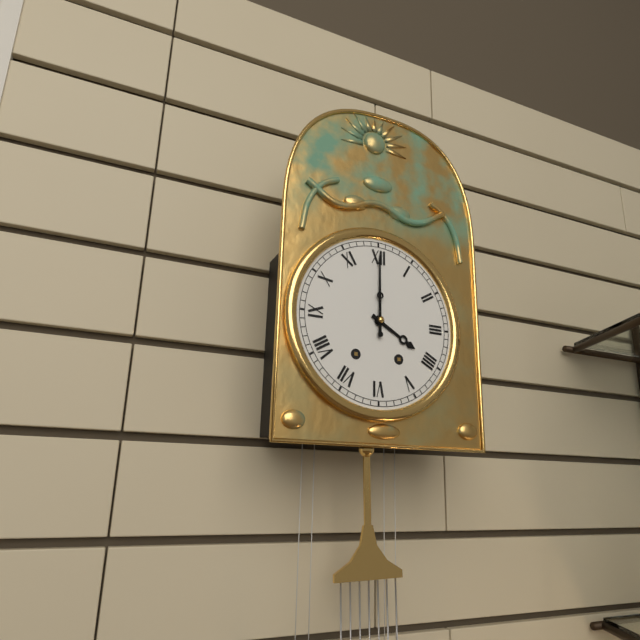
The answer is 4:00
